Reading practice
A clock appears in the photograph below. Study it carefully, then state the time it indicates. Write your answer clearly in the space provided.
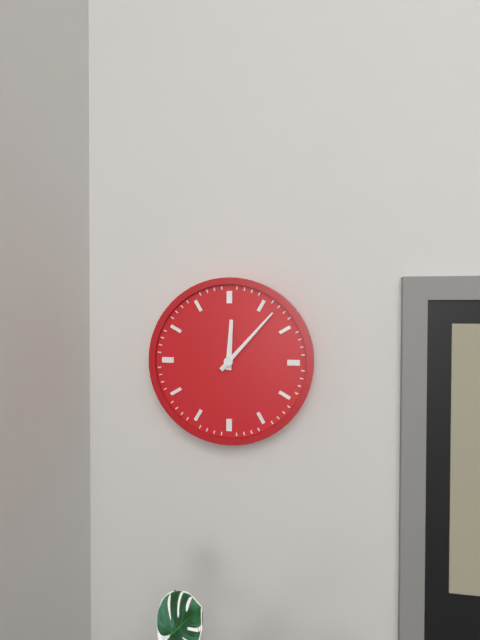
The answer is 12:07
